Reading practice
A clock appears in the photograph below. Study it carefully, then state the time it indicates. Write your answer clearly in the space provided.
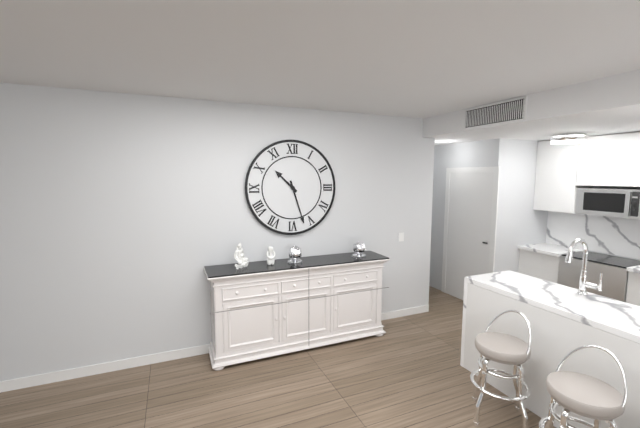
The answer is 10:27
